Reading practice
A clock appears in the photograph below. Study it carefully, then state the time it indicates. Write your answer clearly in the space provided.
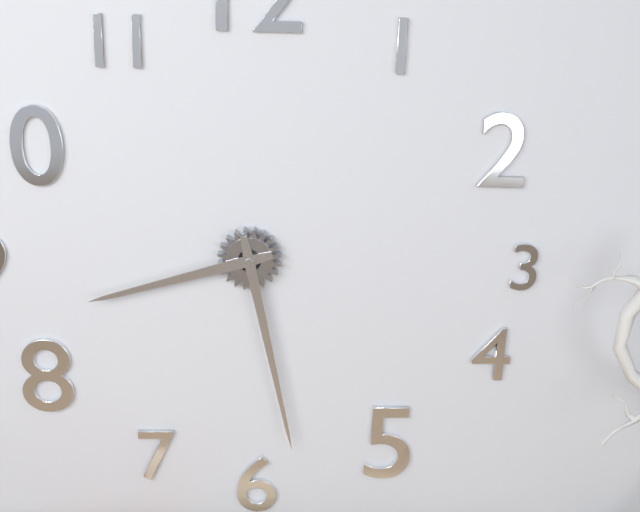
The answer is 8:28
